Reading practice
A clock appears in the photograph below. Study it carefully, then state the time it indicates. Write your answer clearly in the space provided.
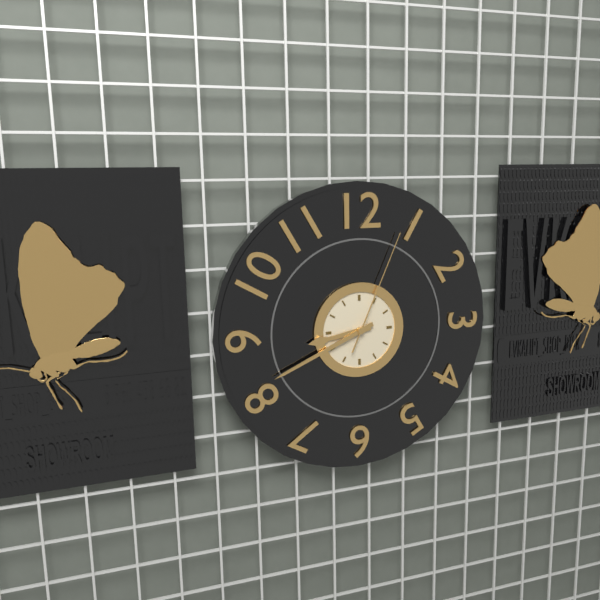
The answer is 8:41:04
